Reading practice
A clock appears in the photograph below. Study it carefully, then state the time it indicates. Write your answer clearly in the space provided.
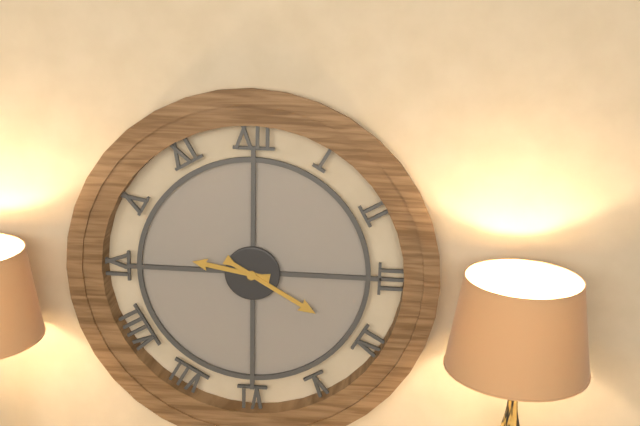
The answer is 9:20
